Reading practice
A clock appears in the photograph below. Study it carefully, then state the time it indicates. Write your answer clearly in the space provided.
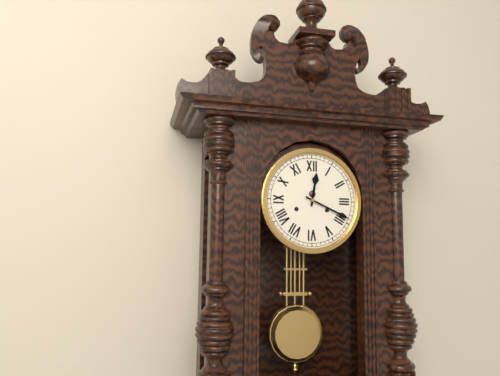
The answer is 12:19
